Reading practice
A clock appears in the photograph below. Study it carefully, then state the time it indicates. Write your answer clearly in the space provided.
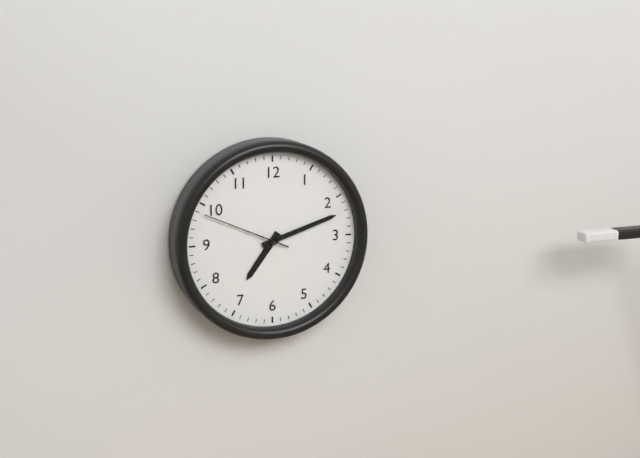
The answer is 7:12:49
